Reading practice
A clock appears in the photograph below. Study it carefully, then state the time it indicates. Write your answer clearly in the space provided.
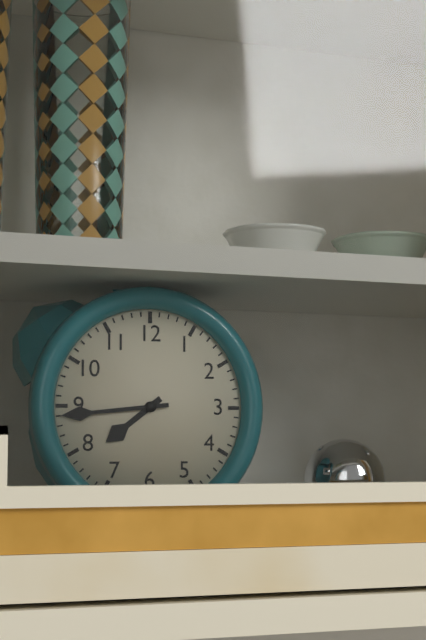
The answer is 7:44
